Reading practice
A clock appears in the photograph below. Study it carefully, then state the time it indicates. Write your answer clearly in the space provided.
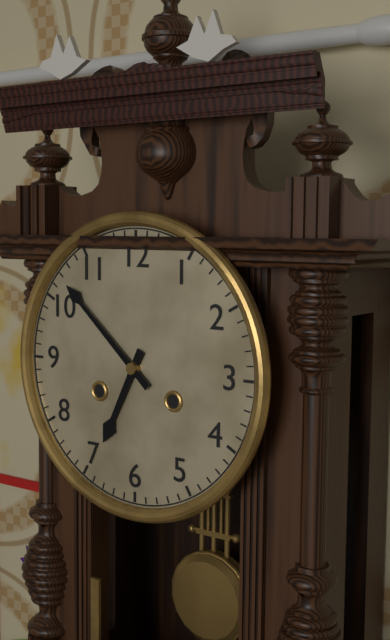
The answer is 6:52
